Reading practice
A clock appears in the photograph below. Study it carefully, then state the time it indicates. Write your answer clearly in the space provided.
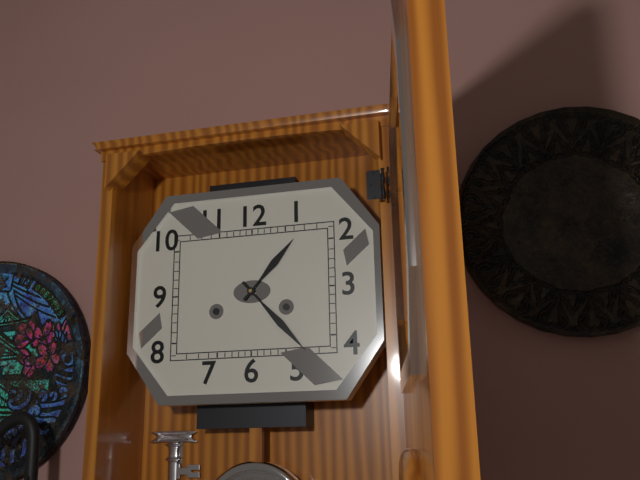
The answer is 1:23
